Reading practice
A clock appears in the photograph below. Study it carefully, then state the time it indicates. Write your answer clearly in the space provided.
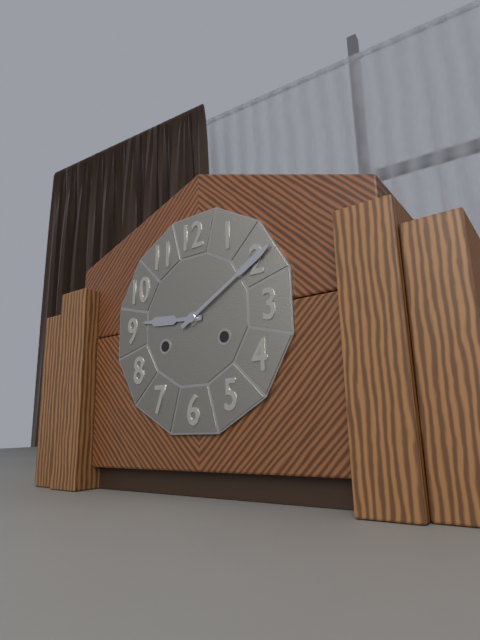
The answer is 9:10
